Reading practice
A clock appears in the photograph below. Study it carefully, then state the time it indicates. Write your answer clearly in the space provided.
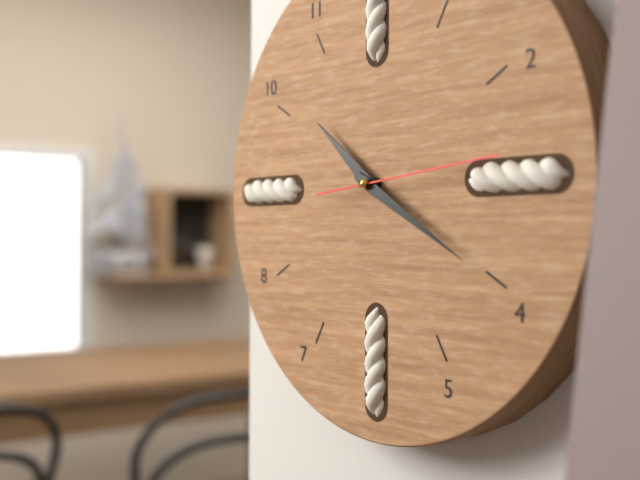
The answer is 10:20:14
